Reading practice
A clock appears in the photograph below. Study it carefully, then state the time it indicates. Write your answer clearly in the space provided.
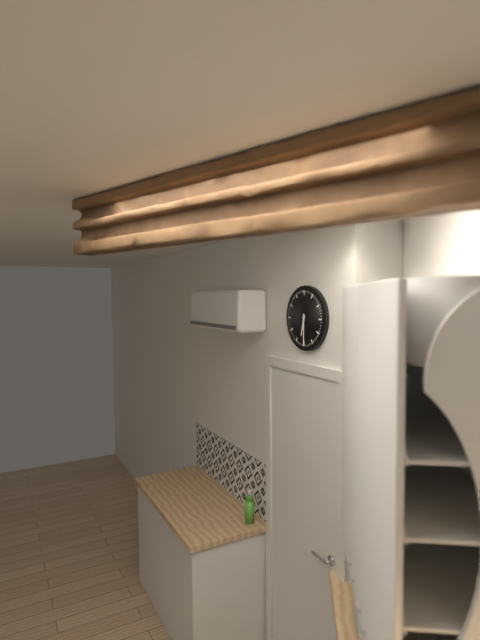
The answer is 6:30
